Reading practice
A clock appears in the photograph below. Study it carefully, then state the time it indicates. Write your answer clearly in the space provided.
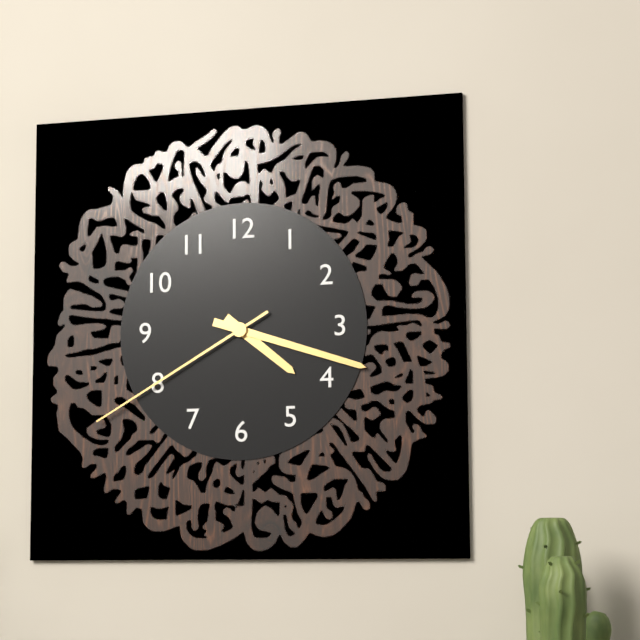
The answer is 4:18:40
